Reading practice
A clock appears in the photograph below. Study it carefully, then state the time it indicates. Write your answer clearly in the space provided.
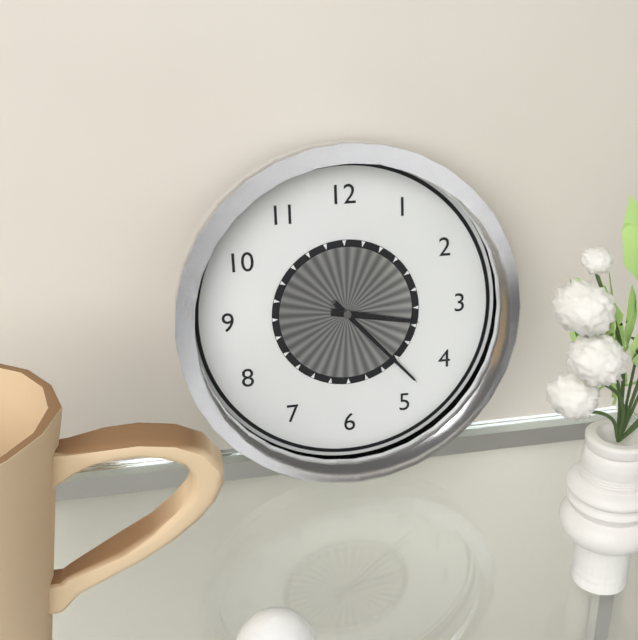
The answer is 3:23
